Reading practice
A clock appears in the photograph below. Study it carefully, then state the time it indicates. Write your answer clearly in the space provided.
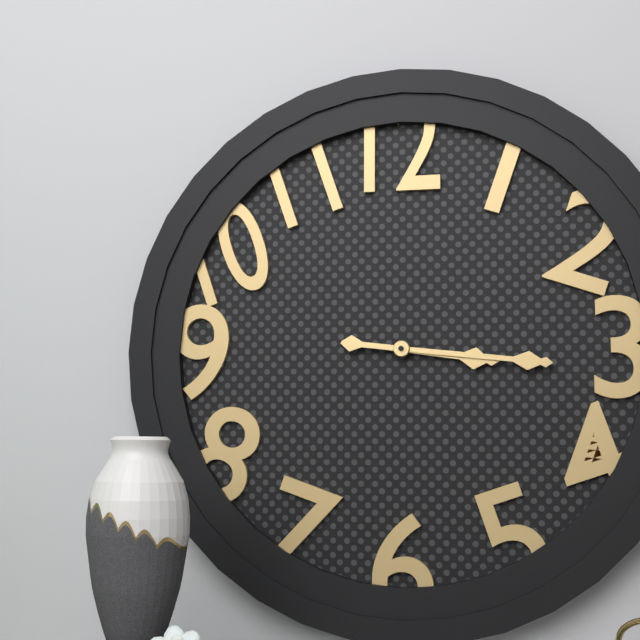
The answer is 3:16
